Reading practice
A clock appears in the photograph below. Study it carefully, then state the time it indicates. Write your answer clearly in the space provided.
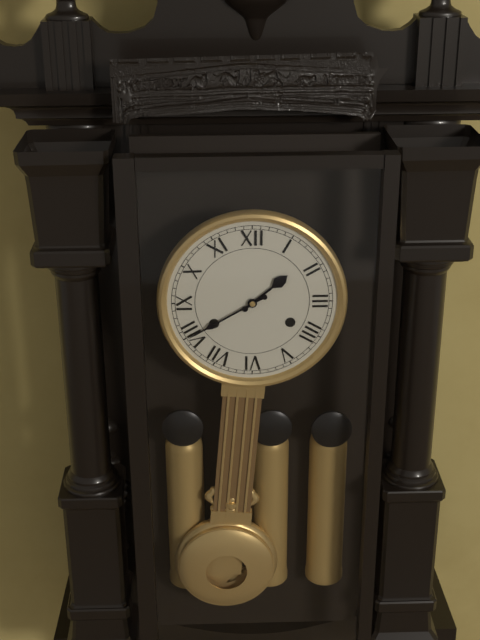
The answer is 1:40
